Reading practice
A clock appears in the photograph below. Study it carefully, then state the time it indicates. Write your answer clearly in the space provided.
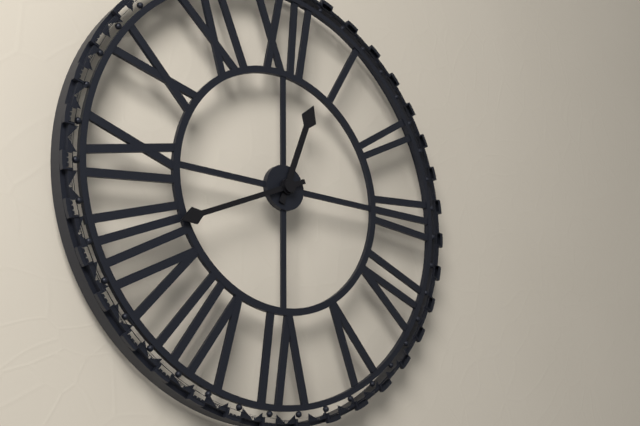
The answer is 12:41
